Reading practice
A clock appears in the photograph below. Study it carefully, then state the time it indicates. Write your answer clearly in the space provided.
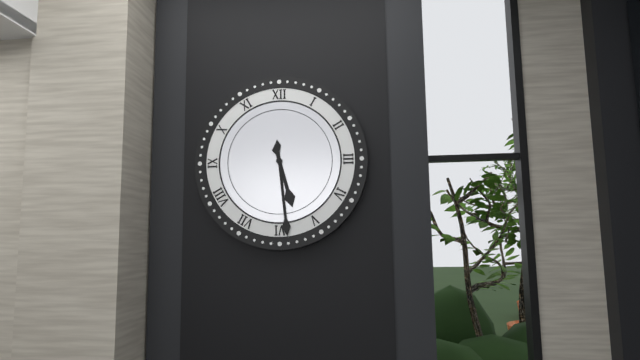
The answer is 5:29
